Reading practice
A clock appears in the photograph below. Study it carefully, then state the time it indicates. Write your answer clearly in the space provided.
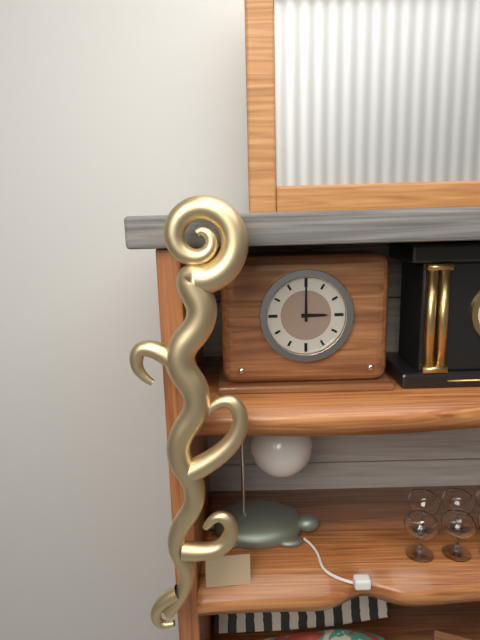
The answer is 3:00
